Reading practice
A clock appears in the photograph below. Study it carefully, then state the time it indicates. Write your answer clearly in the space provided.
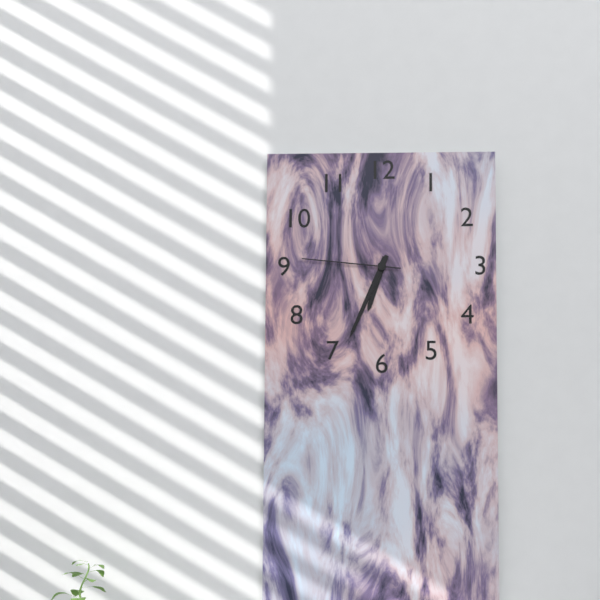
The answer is 6:34:46
